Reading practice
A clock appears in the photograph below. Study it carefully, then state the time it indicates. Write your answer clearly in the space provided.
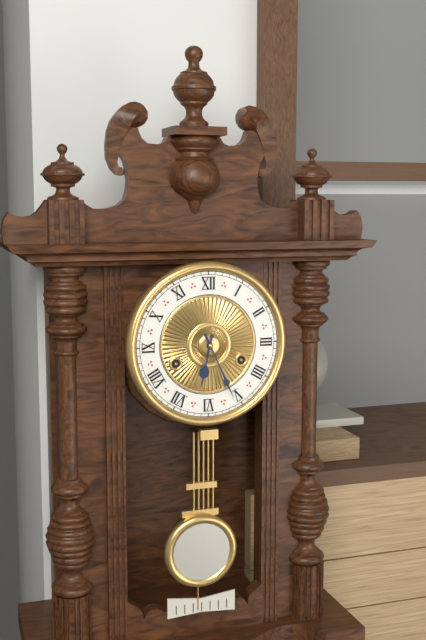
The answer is 6:26
